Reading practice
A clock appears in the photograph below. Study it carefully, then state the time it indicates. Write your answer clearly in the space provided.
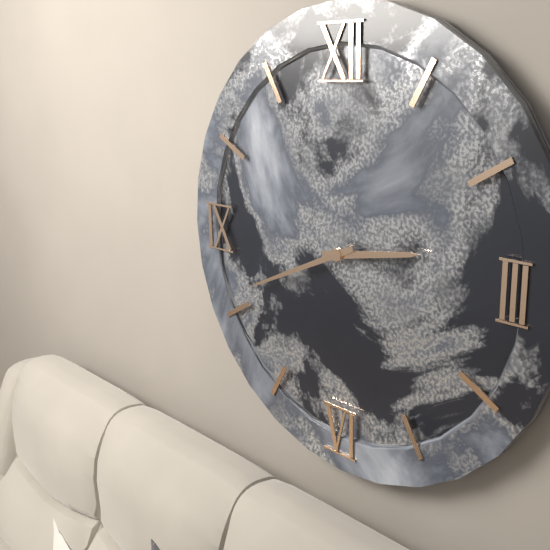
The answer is 2:41
